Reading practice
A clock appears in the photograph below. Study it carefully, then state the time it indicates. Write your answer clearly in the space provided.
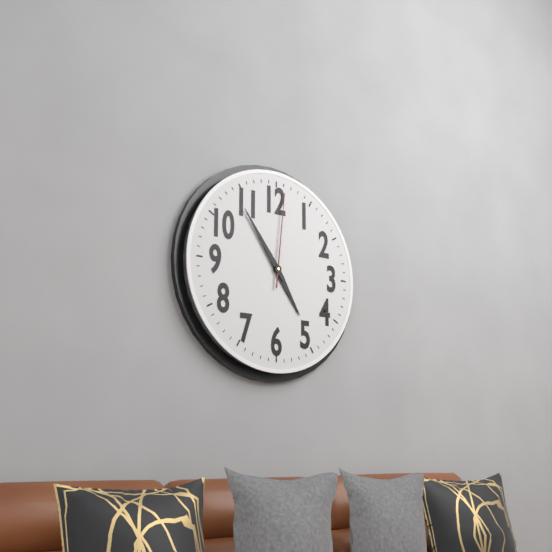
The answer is 4:54:01
